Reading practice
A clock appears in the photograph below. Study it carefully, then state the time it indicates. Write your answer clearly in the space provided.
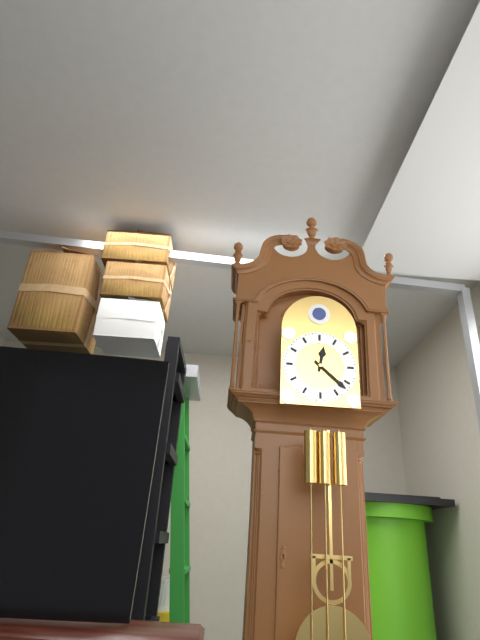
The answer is 12:22
